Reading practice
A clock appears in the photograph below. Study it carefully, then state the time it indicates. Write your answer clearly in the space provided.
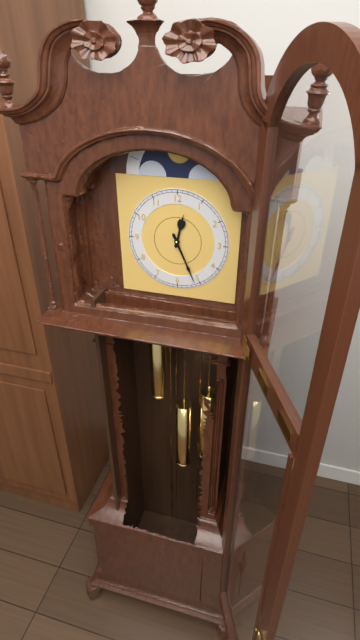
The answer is 12:26
